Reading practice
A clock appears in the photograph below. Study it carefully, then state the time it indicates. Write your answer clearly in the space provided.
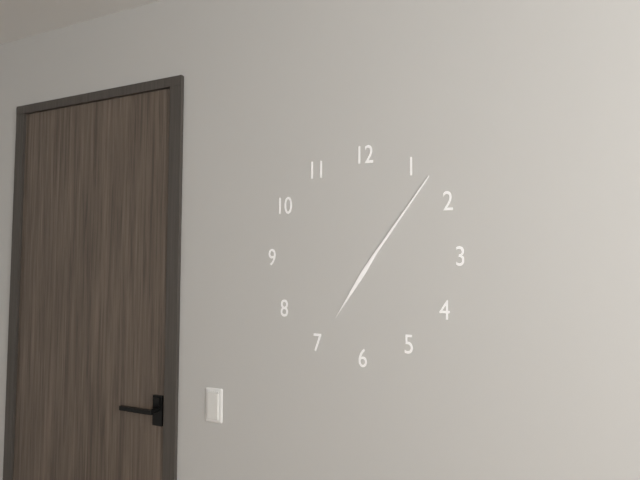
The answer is 7:06
